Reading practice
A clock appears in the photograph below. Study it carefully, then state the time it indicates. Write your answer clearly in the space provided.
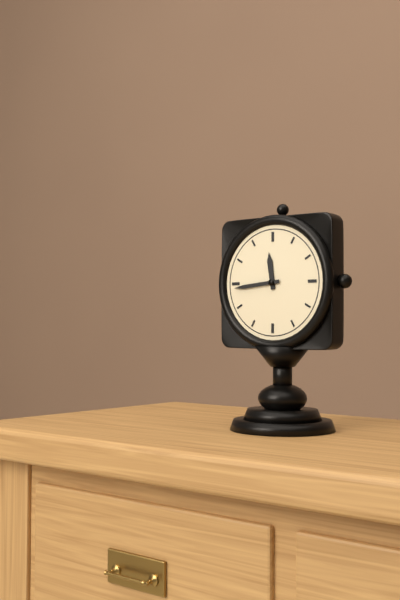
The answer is 11:44
